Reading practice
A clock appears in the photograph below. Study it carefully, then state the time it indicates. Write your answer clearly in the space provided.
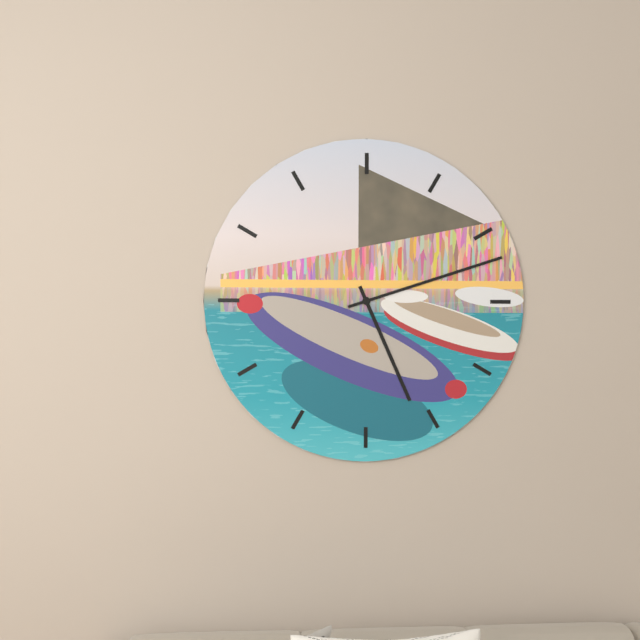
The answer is 5:12
